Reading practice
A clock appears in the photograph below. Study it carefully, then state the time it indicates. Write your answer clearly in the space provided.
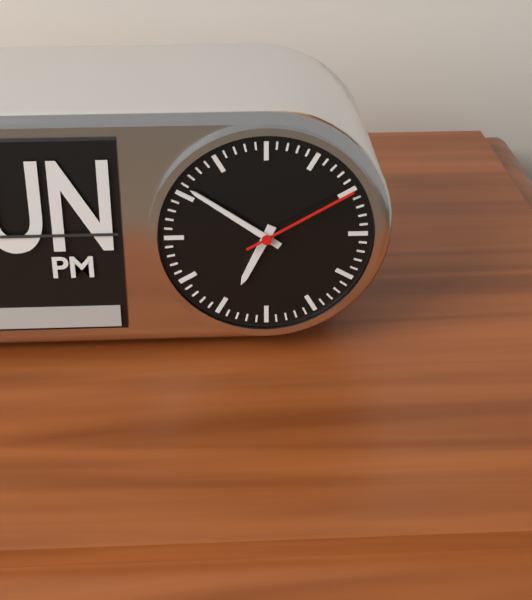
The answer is 6:51:10
